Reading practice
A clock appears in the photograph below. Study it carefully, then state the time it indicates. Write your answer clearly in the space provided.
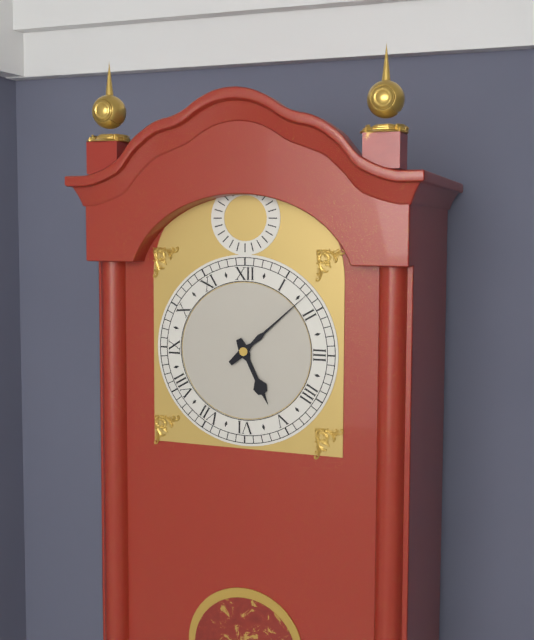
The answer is 5:08
